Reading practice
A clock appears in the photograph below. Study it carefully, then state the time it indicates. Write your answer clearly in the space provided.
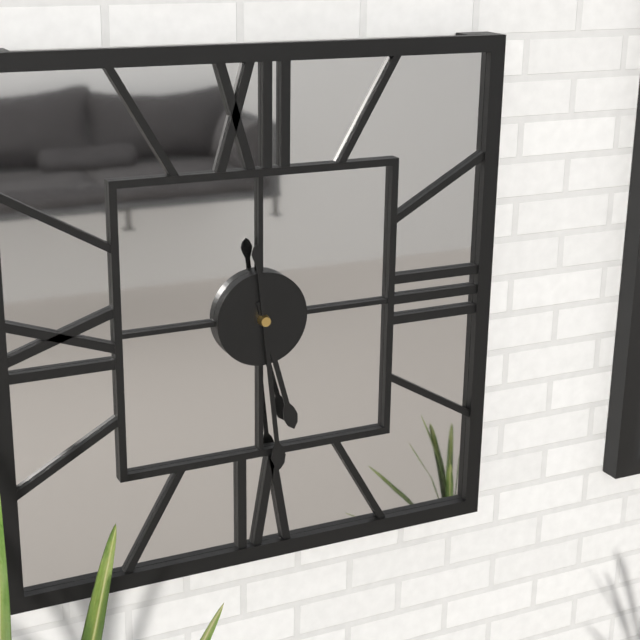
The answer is 5:29
